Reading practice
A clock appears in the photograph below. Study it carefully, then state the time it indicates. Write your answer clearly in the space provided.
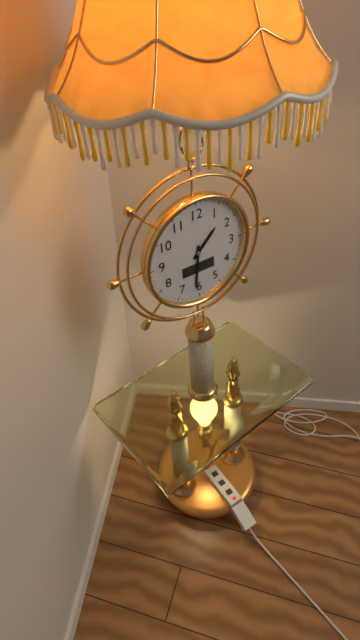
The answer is 1:31
